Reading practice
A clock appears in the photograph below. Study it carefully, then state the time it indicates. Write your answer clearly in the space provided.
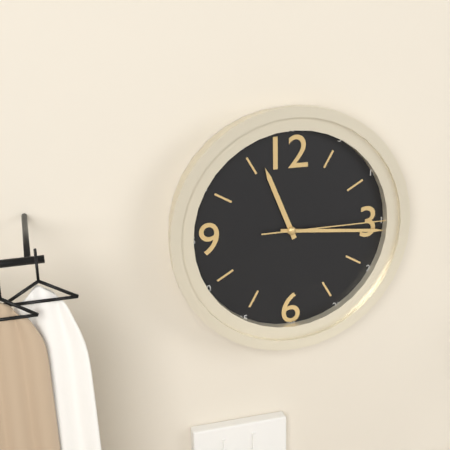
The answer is 11:16:15
